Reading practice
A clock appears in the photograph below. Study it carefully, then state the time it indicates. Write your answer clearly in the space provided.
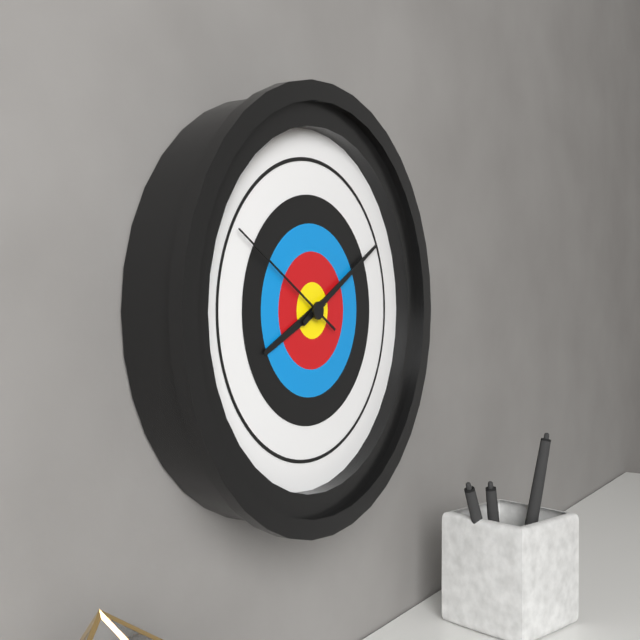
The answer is 8:10:50
